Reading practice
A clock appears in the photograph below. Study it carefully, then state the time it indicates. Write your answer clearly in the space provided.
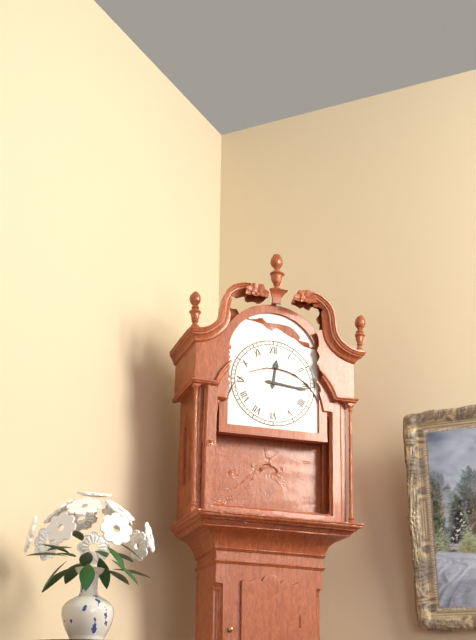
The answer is 12:16
